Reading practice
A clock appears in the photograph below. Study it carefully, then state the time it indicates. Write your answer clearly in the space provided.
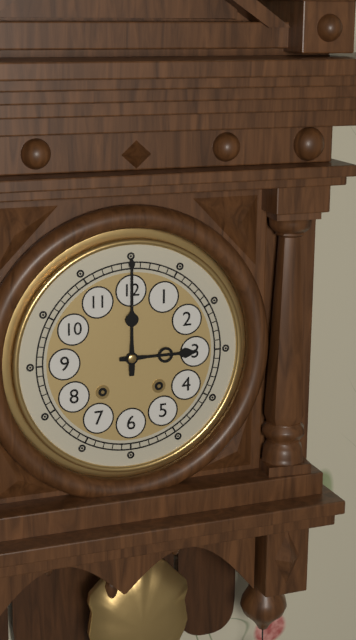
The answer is 3:00
